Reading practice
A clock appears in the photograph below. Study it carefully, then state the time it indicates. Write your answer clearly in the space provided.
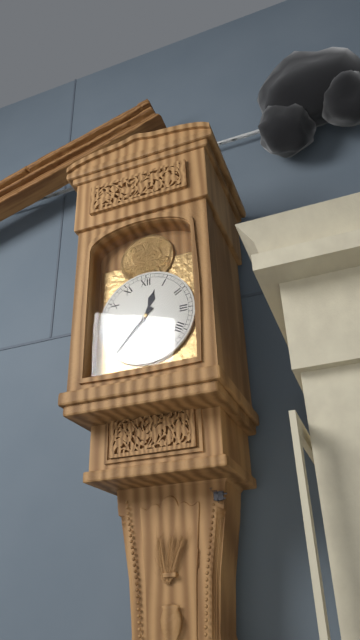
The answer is 12:37
